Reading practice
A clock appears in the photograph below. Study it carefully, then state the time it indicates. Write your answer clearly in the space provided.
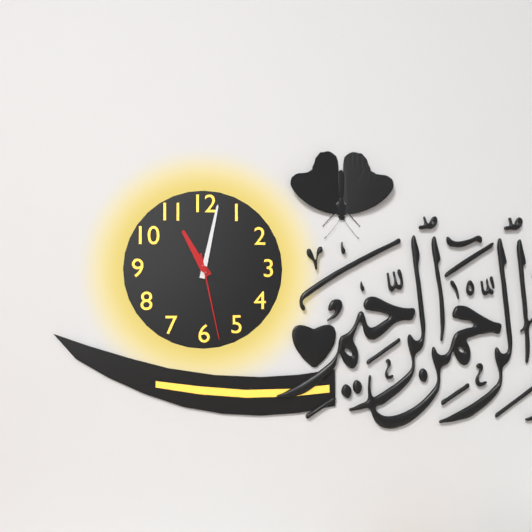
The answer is 11:02:28
